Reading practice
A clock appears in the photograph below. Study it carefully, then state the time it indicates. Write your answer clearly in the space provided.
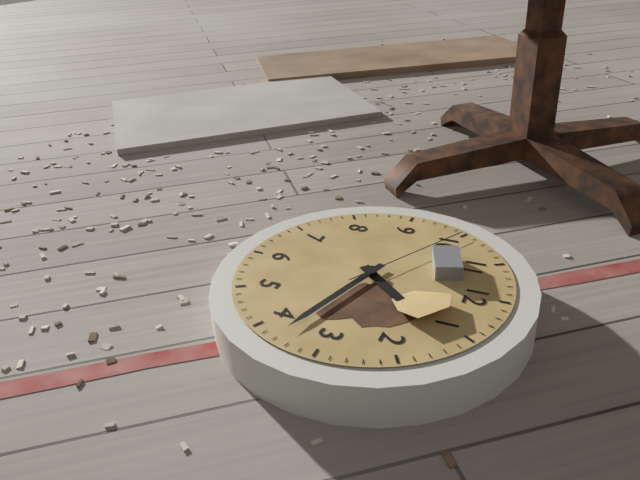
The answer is 1:18:50
